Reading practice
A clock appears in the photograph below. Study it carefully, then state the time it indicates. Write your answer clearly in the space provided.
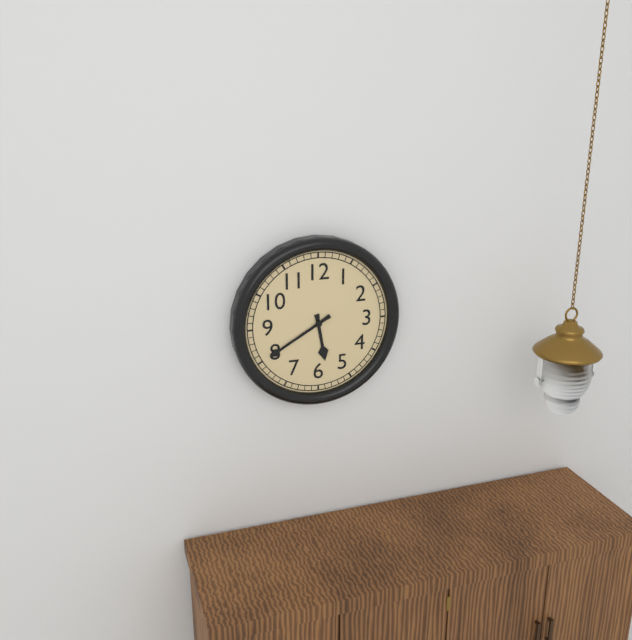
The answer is 5:40
